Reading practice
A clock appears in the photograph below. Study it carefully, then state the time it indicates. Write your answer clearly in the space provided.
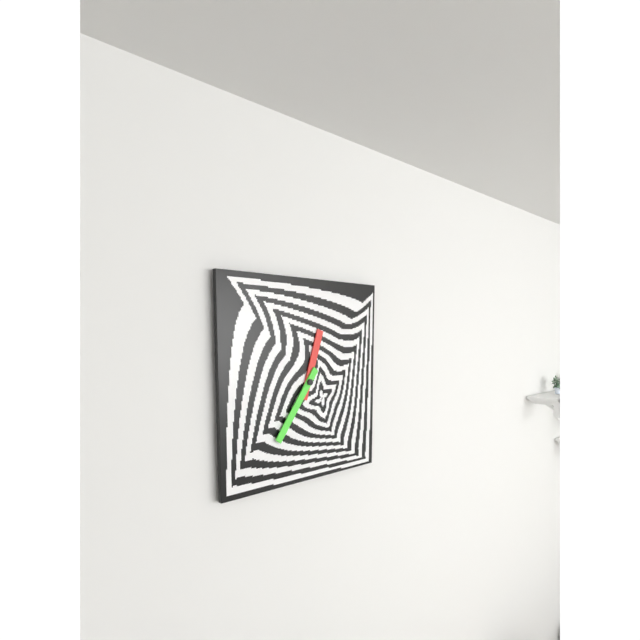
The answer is 12:36
